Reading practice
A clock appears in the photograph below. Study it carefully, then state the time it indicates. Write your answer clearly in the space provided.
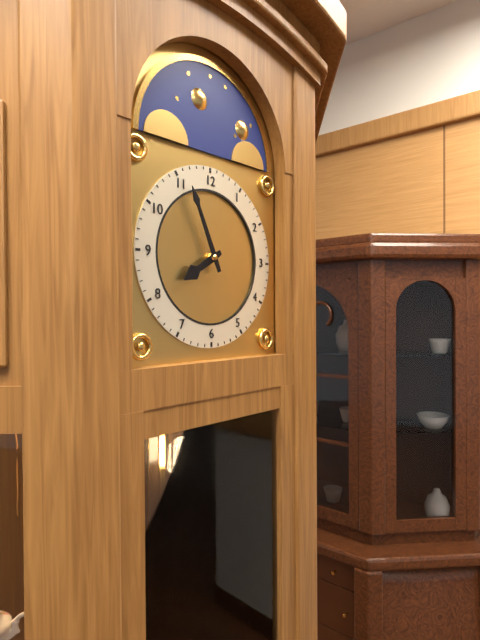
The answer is 7:56
